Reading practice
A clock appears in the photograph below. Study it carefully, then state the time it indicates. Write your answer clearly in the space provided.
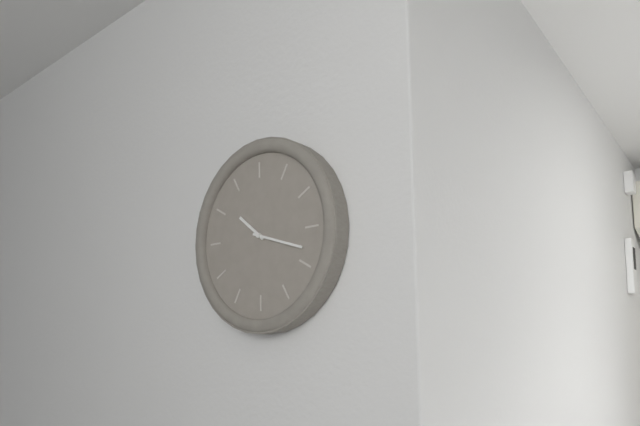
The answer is 10:18
